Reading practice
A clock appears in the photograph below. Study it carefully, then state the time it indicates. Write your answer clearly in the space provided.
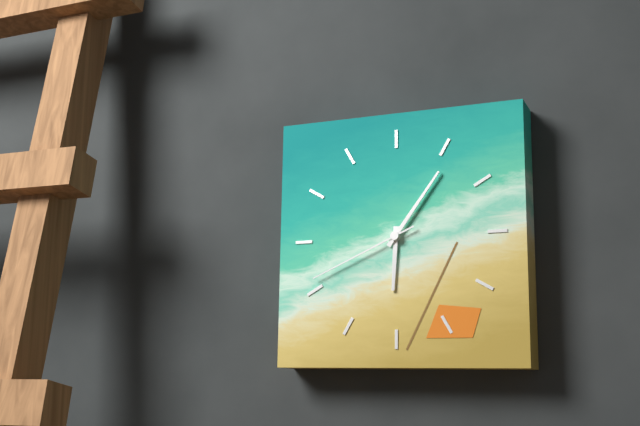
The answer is 6:06:41
